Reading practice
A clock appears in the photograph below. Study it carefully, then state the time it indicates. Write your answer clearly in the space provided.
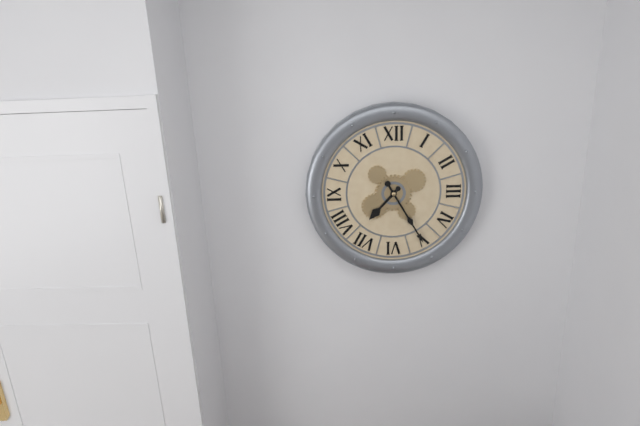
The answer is 7:25
